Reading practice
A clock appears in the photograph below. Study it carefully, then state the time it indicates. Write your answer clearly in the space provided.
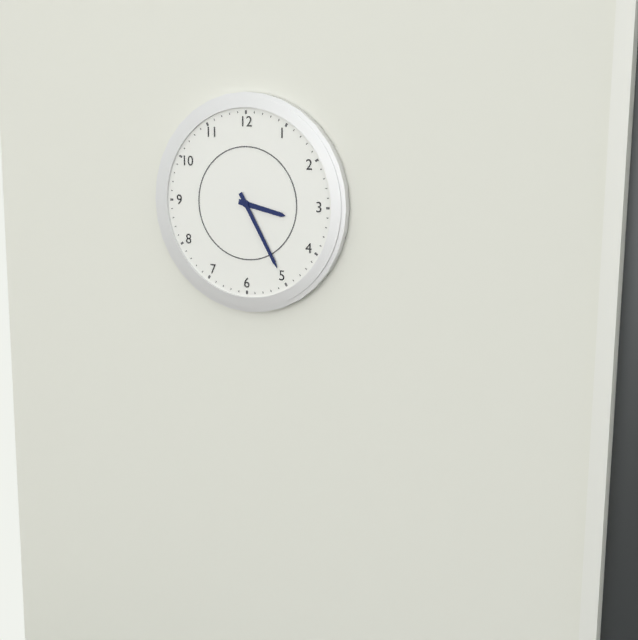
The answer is 3:25
